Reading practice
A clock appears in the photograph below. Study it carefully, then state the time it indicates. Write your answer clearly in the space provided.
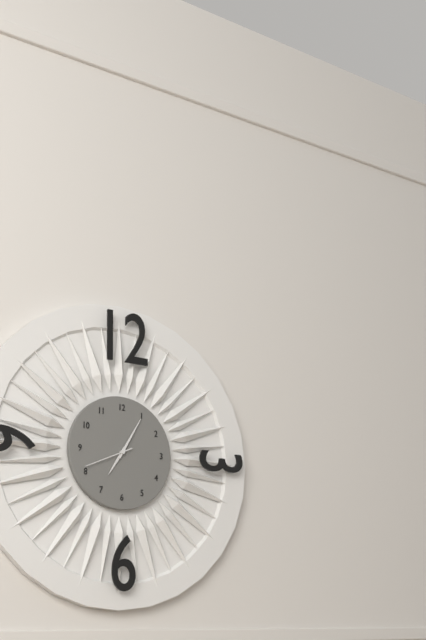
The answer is 7:05
